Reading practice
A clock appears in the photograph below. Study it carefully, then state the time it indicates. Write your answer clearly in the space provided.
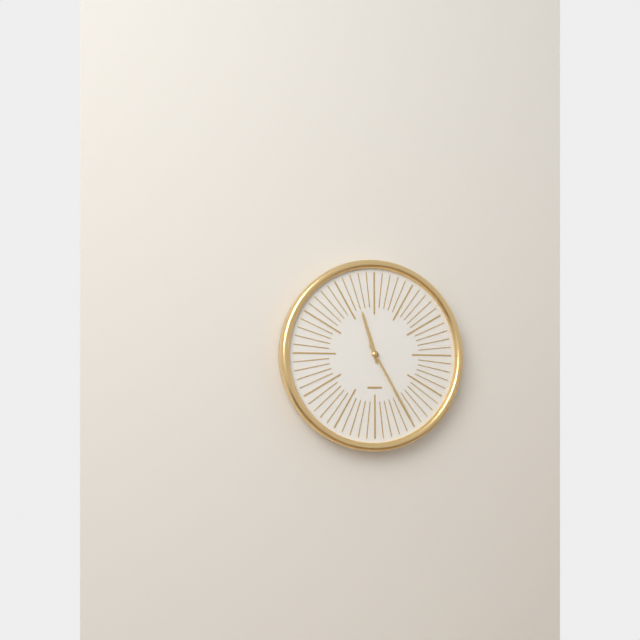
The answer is 11:25
